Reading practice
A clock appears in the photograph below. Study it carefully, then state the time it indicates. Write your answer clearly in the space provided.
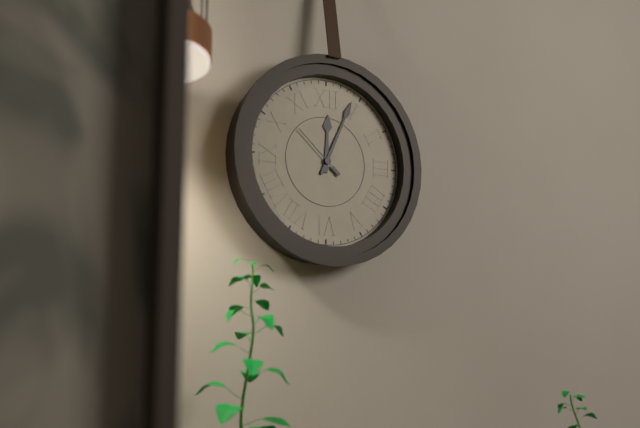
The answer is 12:04:52
